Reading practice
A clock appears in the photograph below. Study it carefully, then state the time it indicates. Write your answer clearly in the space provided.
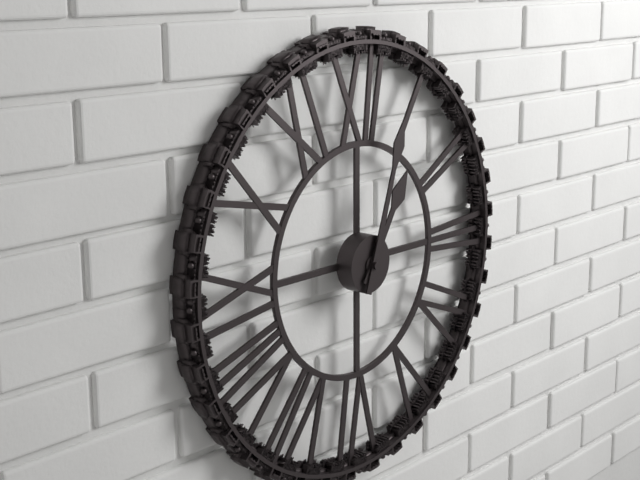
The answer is 1:03
